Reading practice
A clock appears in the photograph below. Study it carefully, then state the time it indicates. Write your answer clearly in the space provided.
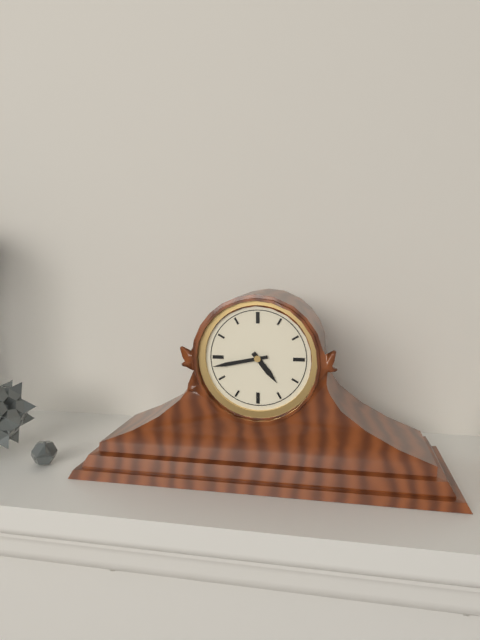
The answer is 4:43
